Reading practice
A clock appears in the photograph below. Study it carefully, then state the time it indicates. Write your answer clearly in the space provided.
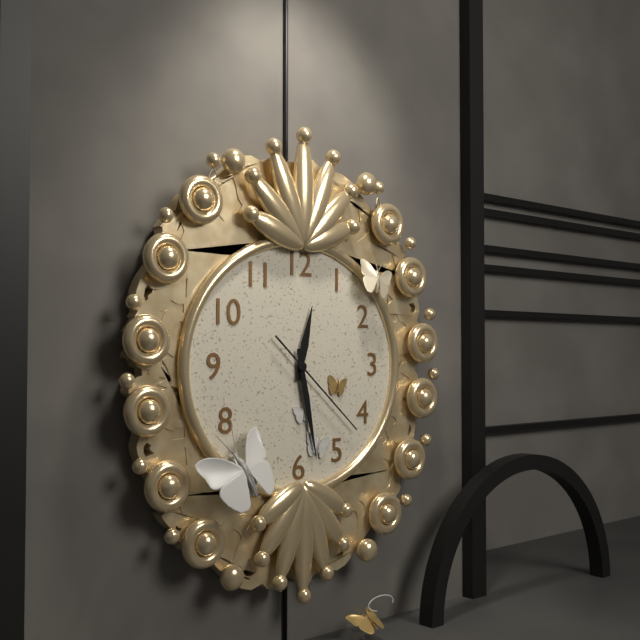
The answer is 12:28:22
